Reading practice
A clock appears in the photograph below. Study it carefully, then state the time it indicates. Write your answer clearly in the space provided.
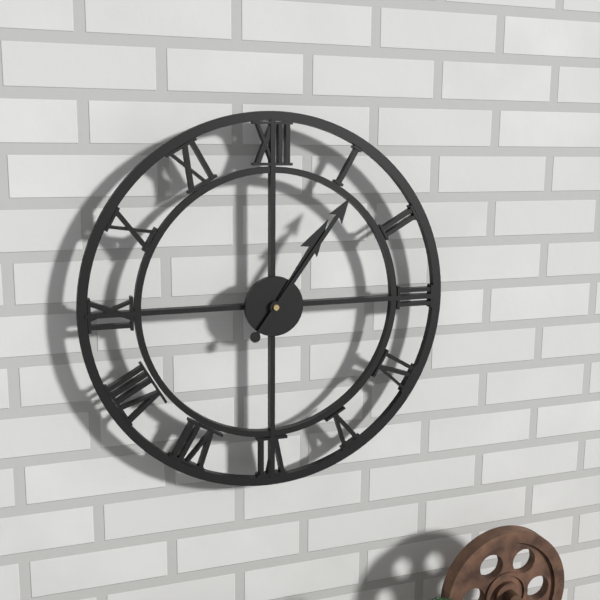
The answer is 1:06
